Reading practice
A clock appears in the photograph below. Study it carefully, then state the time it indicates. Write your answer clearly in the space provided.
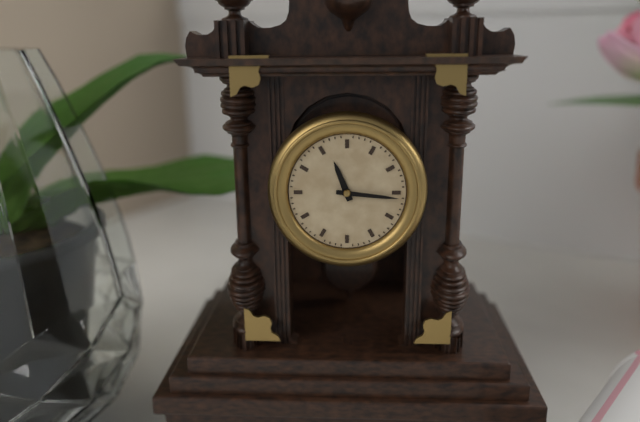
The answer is 11:16
